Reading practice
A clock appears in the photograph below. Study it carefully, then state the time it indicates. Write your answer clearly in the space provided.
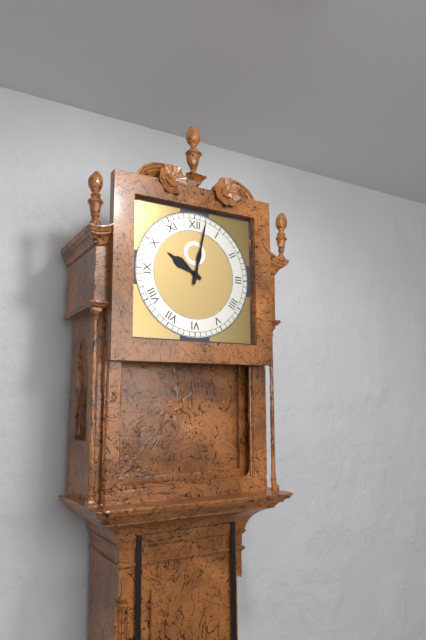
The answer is 10:02
